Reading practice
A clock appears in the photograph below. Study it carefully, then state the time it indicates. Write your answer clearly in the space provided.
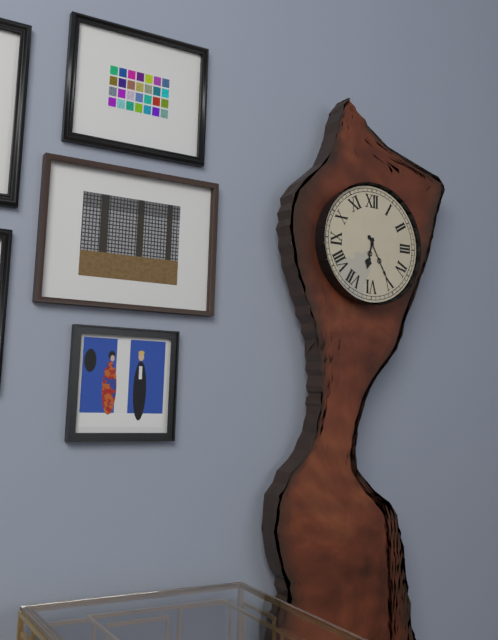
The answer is 6:25
